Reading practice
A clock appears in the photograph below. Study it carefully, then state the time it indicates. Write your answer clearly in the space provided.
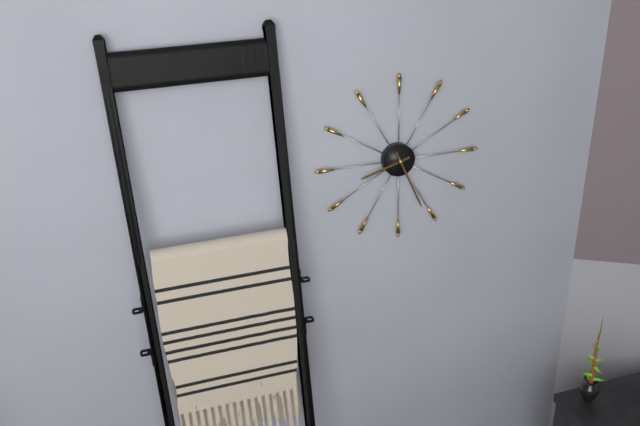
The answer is 8:26
